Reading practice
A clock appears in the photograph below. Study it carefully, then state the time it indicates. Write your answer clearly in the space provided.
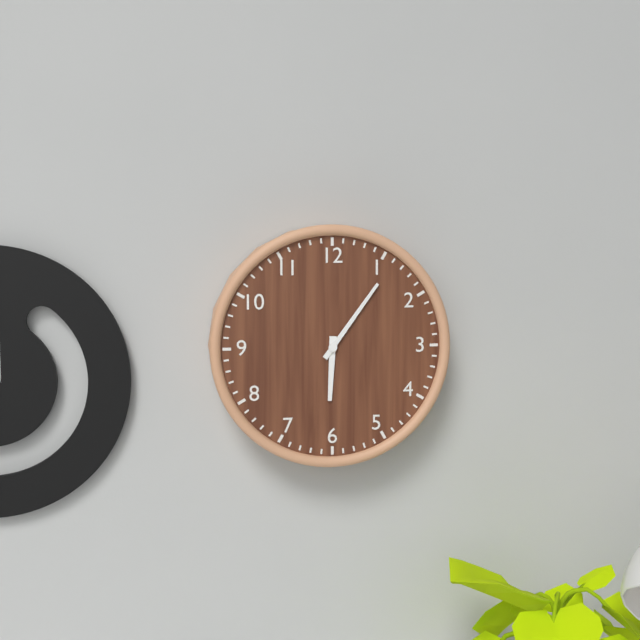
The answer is 6:06
